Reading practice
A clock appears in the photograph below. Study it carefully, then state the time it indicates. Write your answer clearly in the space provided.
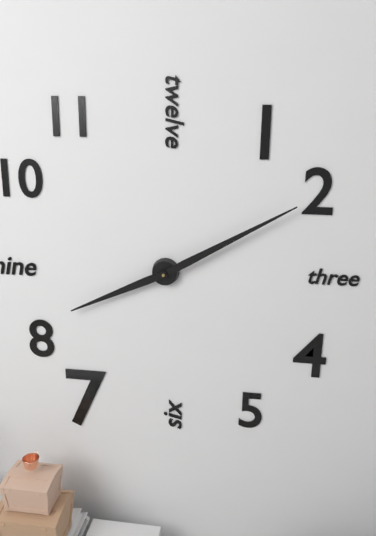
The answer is 8:10
